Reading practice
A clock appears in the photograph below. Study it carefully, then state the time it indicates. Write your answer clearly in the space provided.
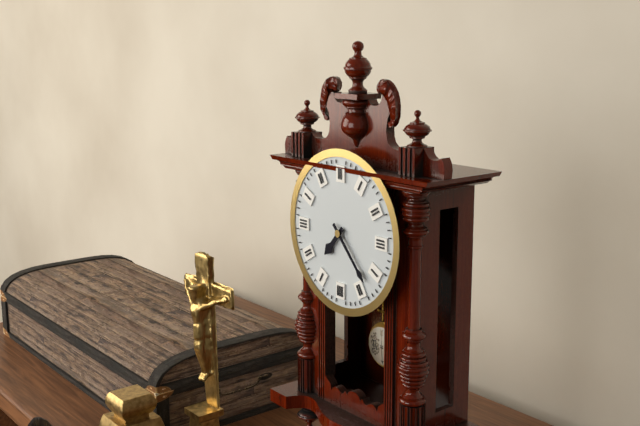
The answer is 7:23
